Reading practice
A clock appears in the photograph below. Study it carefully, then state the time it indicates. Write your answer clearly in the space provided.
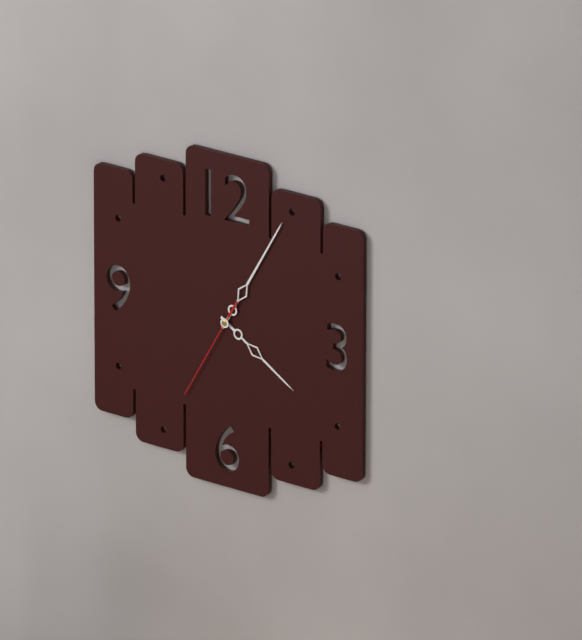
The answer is 4:05:35
